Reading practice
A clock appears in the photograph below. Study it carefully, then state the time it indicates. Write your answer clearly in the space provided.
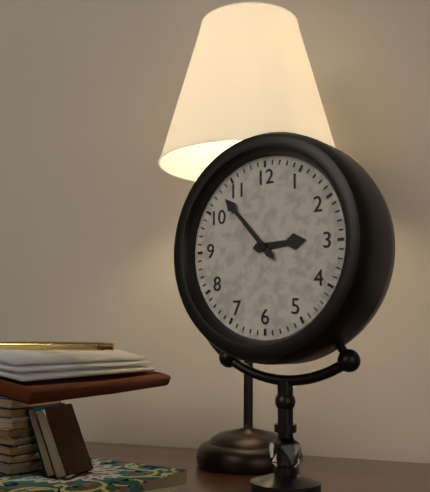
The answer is 2:53
